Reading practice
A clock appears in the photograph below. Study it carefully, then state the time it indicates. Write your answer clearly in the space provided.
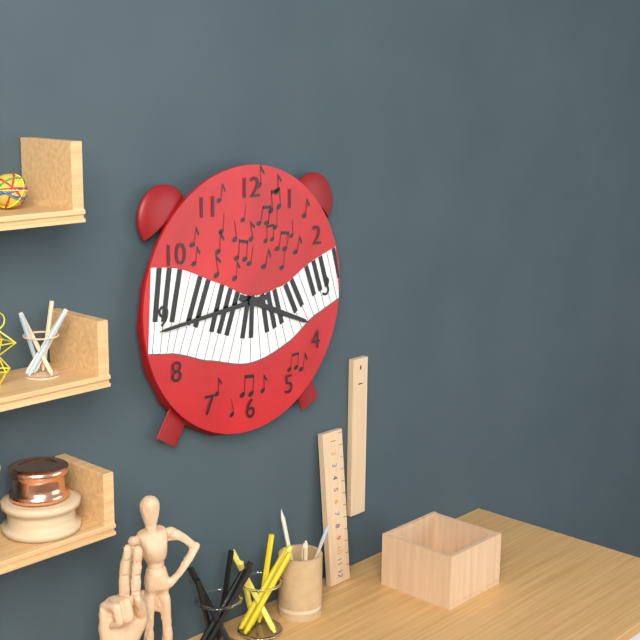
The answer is 3:44
